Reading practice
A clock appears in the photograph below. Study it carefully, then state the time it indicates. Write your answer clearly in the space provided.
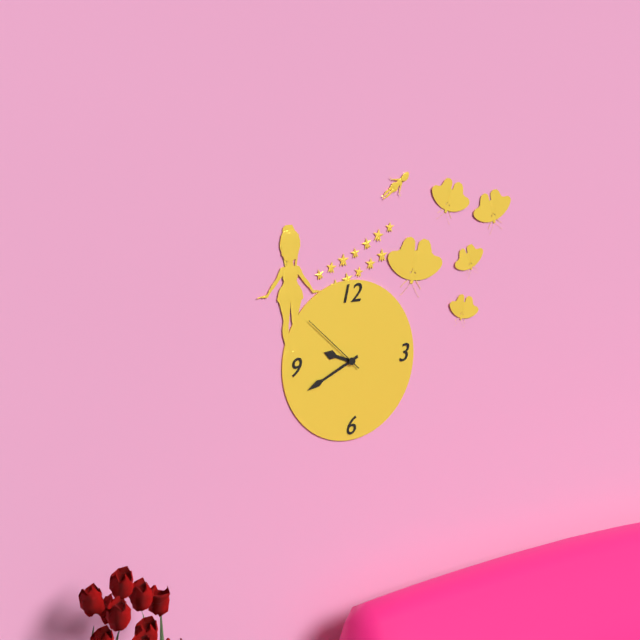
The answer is 9:41:52
